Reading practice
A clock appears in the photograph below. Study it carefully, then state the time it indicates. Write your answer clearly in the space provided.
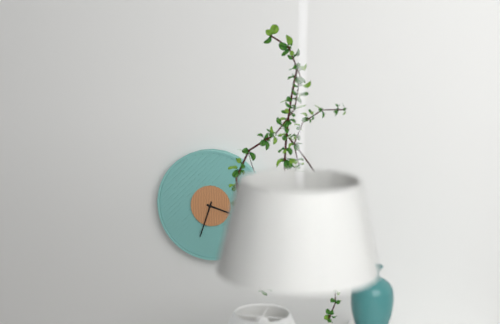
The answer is 3:33
